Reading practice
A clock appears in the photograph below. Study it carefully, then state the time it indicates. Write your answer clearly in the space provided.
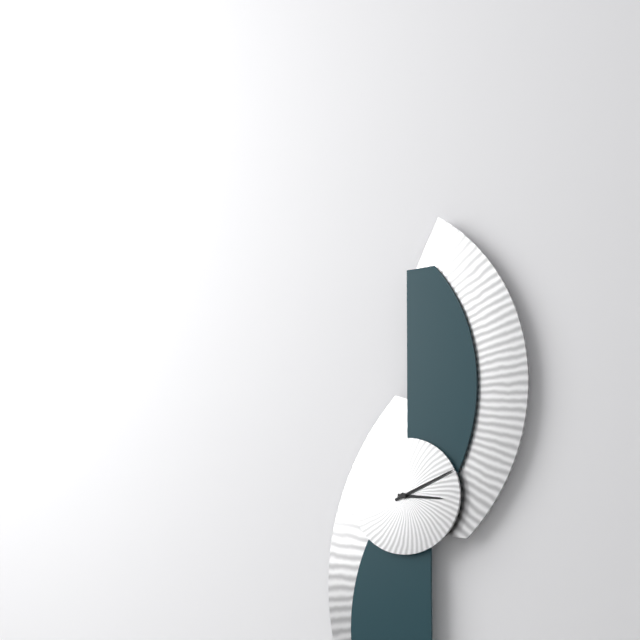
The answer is 3:11
